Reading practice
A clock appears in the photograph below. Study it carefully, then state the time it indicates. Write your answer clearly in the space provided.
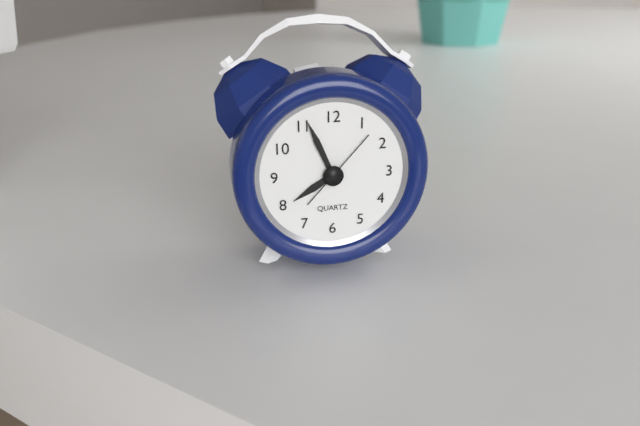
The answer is 7:56:07
